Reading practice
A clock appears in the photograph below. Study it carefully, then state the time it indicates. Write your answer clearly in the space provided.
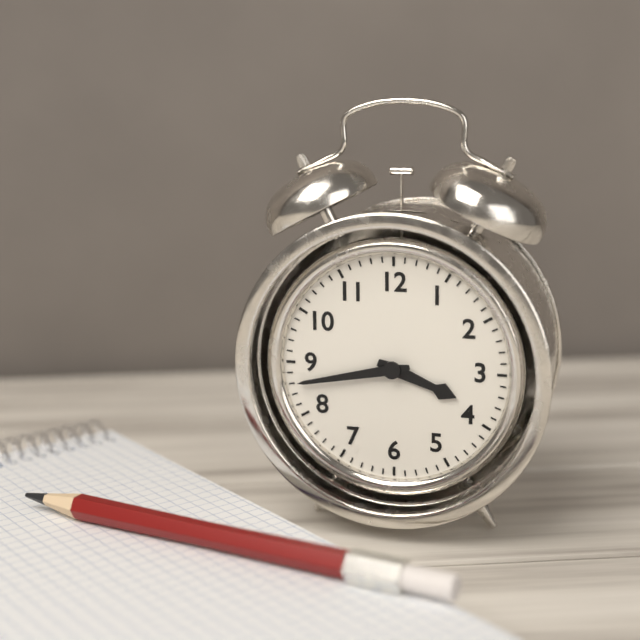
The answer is 3:43
